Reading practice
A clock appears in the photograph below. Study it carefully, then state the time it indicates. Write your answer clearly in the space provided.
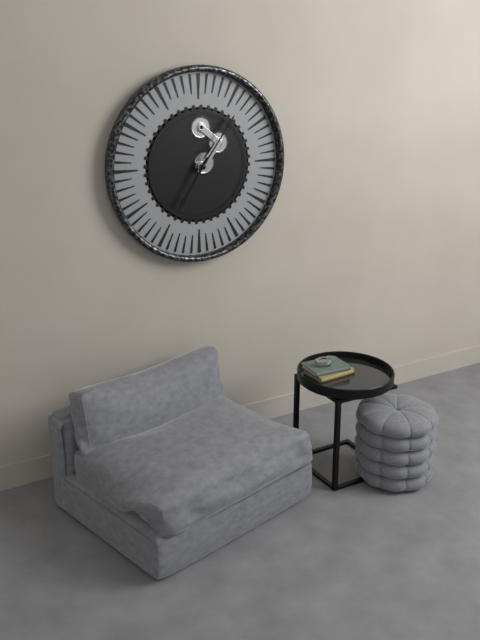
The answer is 7:06
